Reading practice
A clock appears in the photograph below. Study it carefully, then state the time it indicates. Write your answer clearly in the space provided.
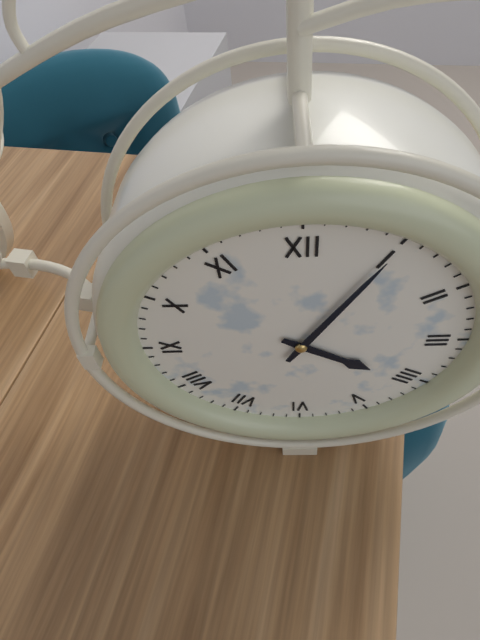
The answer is 4:05
